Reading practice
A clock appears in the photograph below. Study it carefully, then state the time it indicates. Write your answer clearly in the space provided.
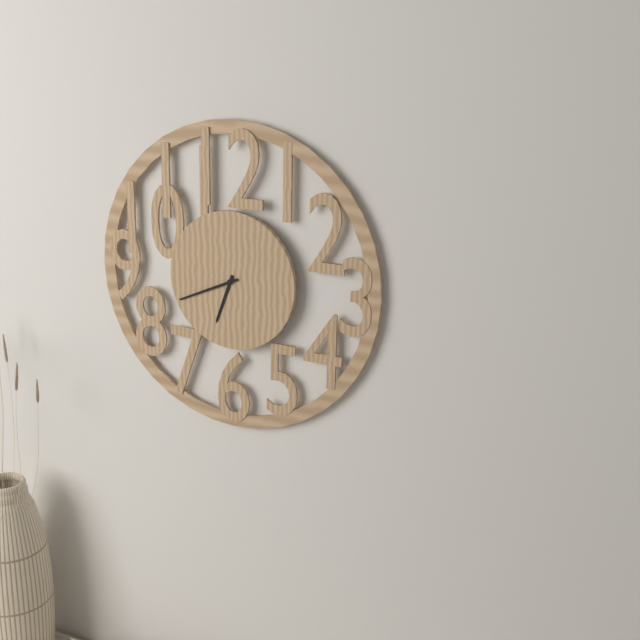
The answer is 6:41
